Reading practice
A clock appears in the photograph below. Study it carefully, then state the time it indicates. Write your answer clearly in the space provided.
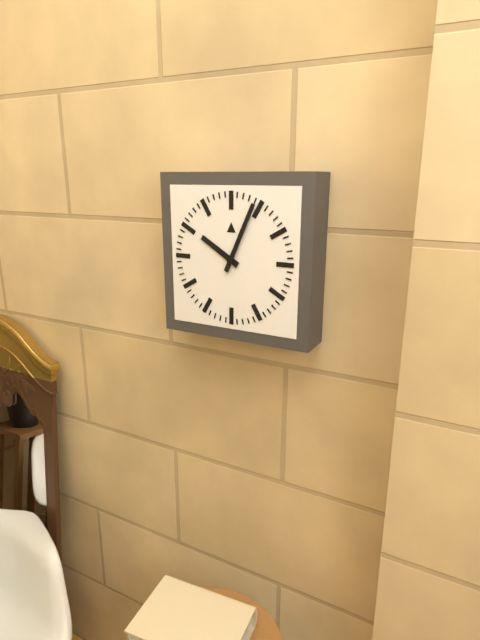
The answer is 10:04
